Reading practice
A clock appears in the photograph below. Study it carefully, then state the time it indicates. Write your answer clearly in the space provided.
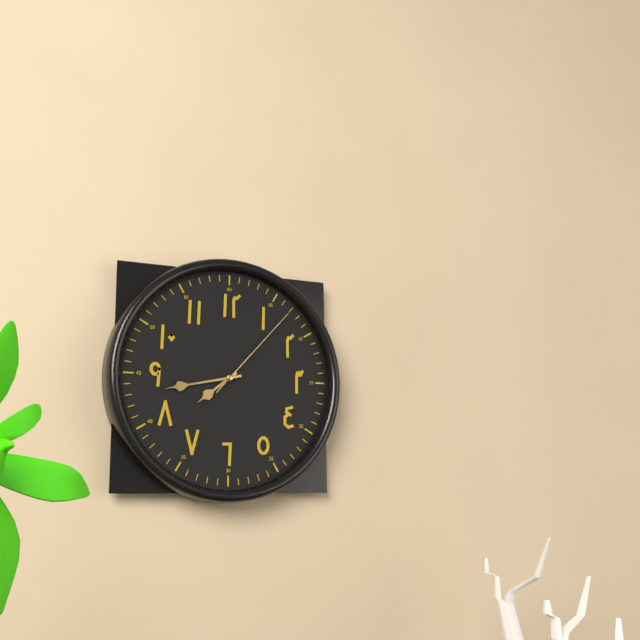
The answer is 7:43:07
